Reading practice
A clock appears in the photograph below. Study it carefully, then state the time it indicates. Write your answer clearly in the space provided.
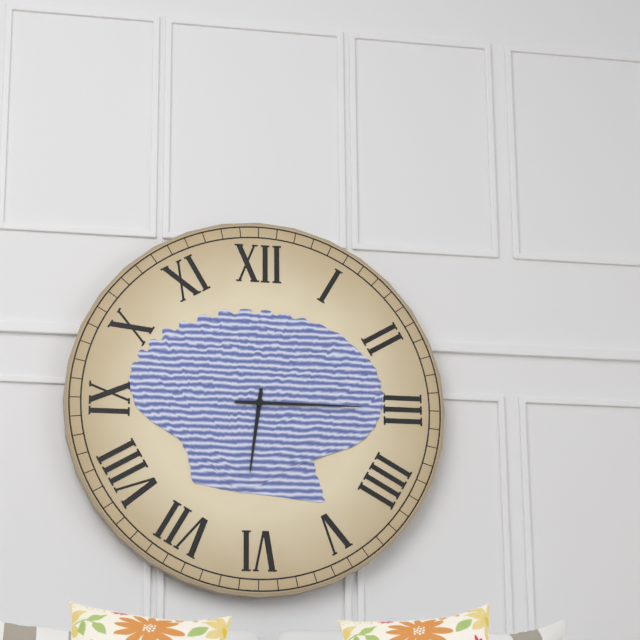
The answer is 6:15
